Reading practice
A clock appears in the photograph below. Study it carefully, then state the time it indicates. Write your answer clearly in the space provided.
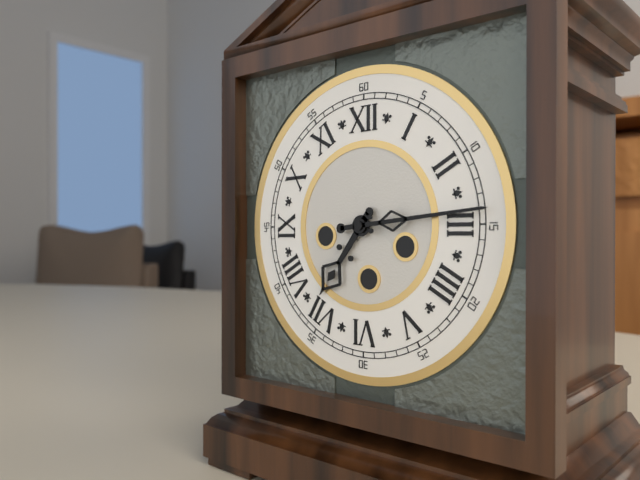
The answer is 7:14
